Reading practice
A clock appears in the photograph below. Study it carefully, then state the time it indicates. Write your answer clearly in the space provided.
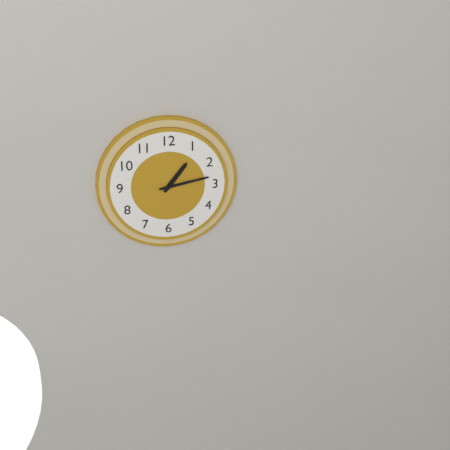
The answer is 1:13
